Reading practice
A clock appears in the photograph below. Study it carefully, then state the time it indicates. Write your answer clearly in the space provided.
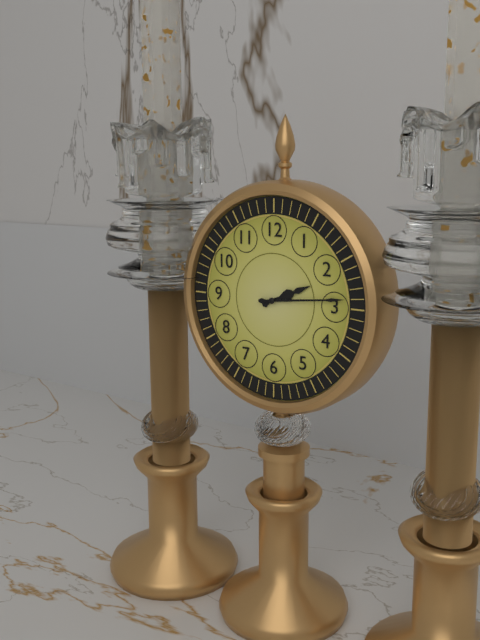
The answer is 2:14
